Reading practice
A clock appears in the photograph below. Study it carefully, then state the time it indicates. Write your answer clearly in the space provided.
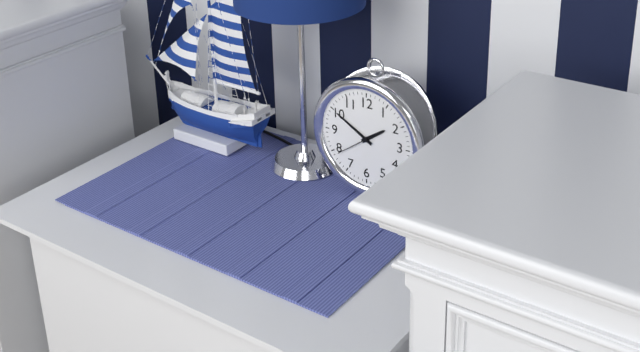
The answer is 1:50
